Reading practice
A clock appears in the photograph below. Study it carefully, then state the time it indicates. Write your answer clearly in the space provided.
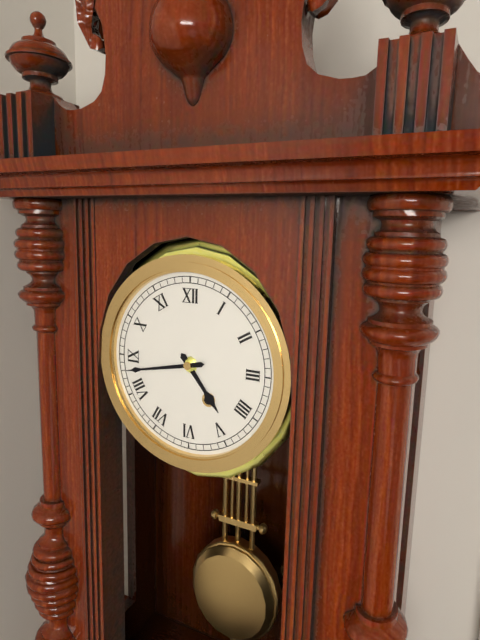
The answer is 4:43
